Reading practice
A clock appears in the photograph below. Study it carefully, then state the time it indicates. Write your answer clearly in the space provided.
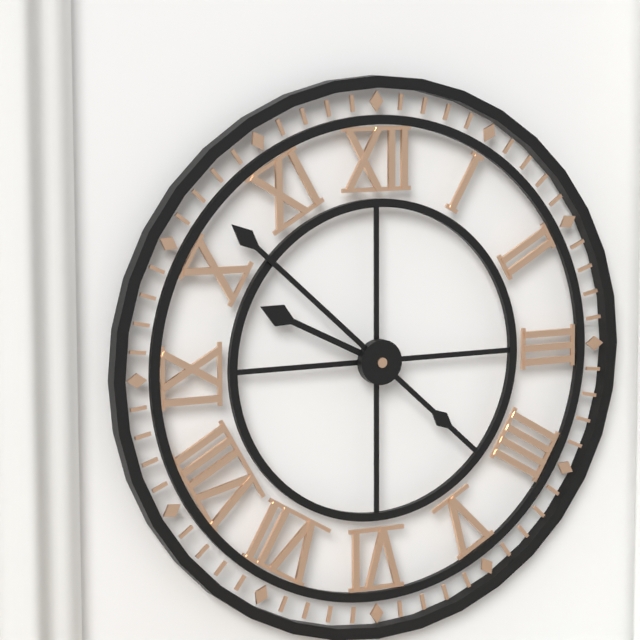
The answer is 9:52
